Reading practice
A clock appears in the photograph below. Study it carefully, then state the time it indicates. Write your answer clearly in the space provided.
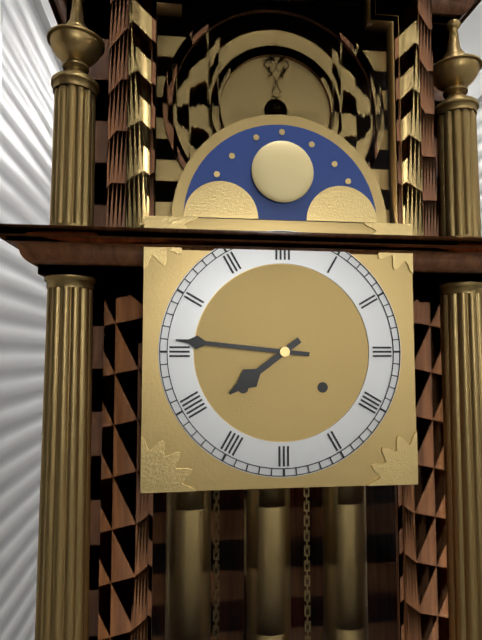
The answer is 7:46
